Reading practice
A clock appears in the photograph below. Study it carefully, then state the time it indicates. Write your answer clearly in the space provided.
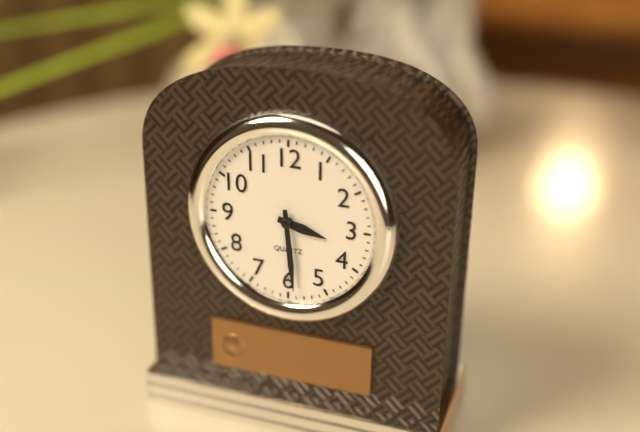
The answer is 3:29
